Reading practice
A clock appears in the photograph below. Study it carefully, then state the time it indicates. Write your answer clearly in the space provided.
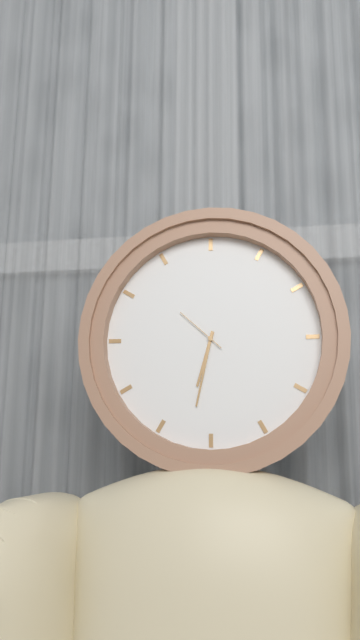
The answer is 6:32:52
